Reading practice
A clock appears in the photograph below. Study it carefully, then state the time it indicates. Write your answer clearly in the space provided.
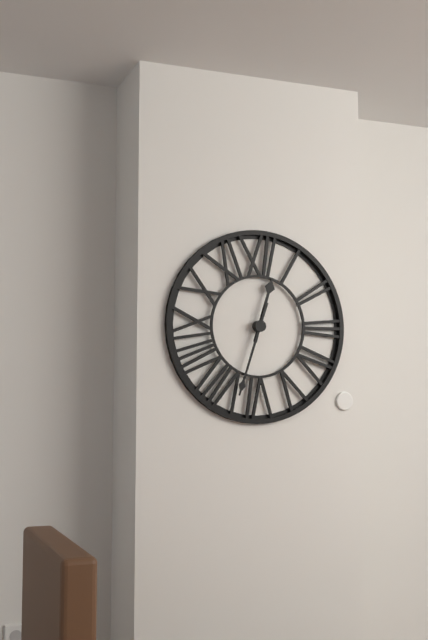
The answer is 12:33
